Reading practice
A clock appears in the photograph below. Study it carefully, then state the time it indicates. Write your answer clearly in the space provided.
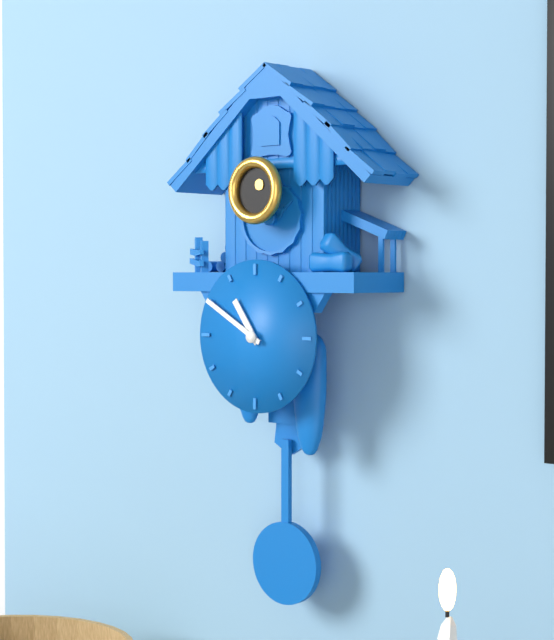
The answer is 10:50
